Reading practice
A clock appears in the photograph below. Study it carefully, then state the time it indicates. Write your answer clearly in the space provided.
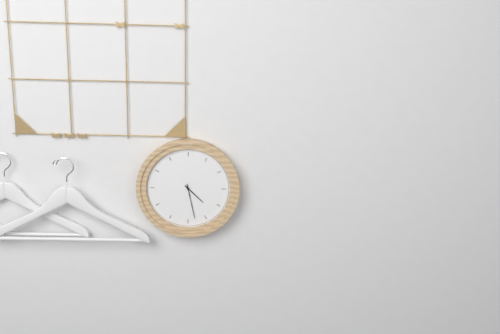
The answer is 4:28
